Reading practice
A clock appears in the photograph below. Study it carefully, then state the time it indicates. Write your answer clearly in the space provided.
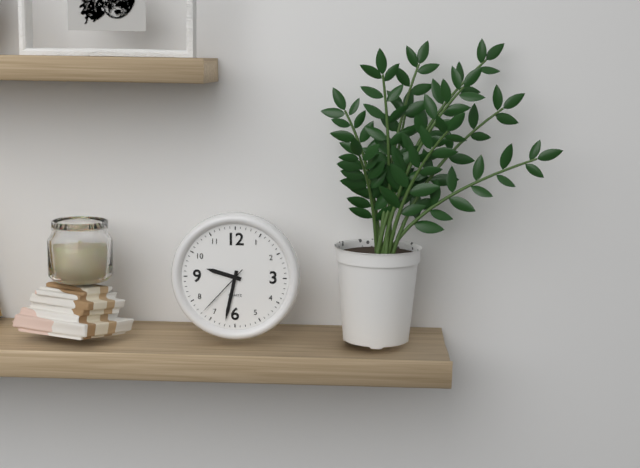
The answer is 9:32:37
